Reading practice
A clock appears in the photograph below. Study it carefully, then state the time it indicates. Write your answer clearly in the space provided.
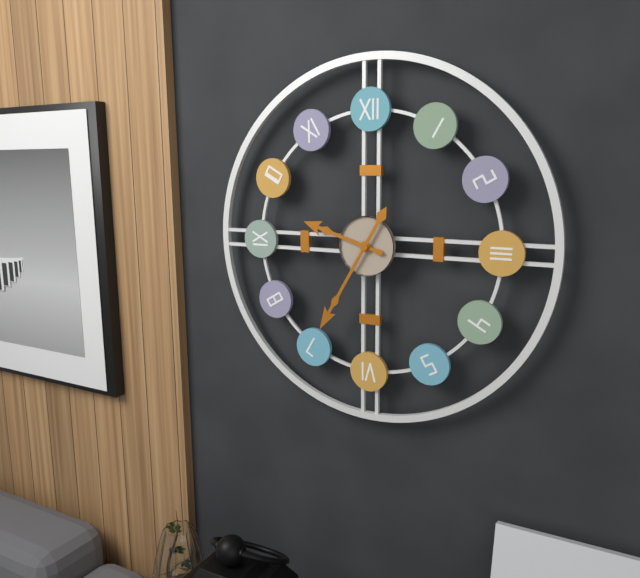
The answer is 9:35
